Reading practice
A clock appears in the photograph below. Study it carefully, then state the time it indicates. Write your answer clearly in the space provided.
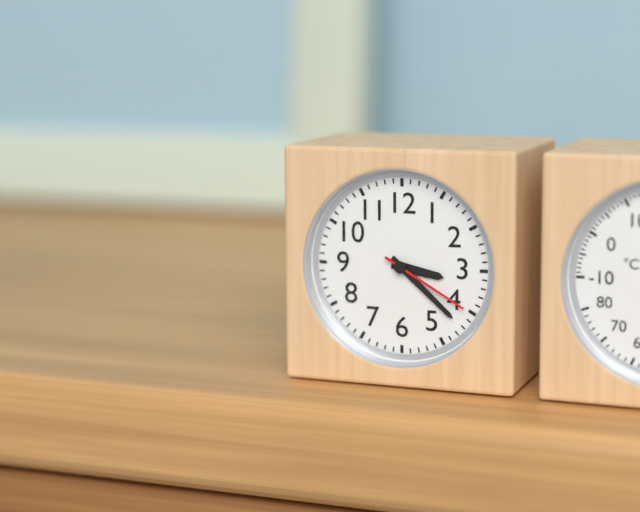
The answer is 3:22:20
